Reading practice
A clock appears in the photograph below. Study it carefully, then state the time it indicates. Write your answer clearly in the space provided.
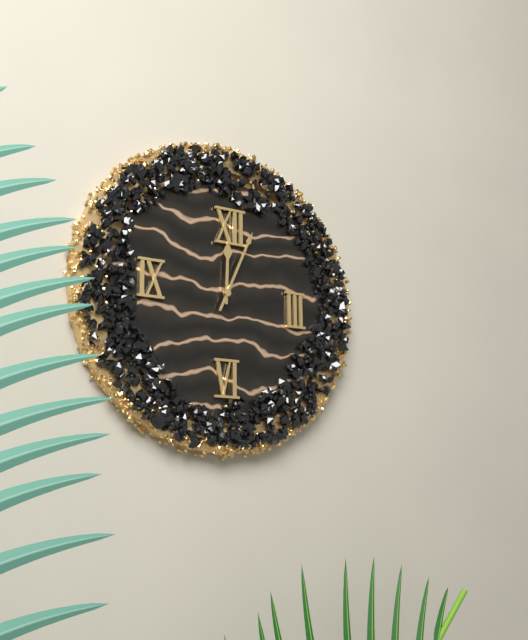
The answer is 12:04
